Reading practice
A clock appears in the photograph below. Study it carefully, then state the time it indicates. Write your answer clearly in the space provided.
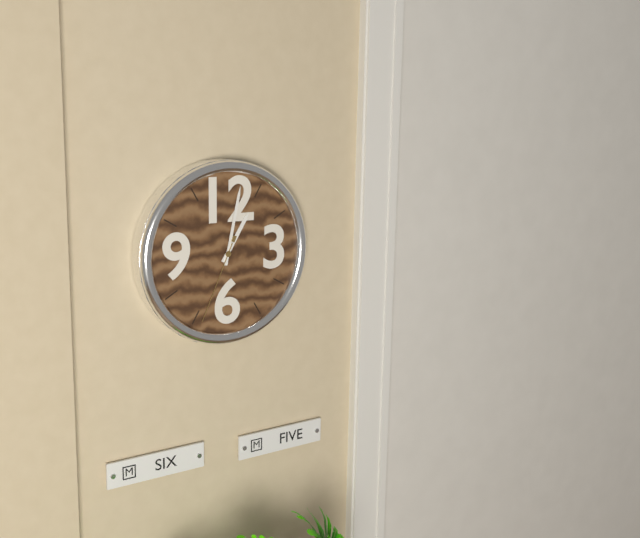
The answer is 1:02:34
